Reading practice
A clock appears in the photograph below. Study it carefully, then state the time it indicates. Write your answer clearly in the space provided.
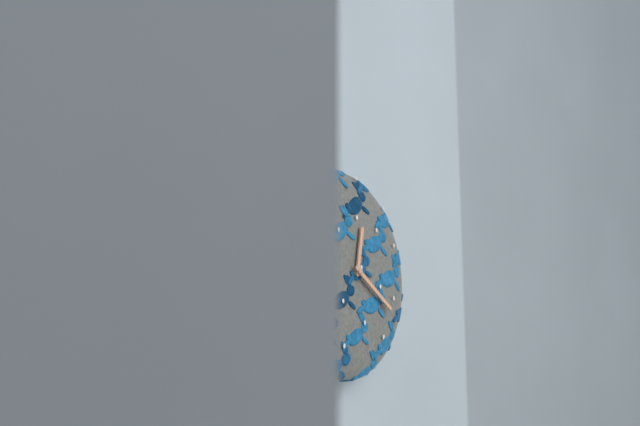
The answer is 12:20
